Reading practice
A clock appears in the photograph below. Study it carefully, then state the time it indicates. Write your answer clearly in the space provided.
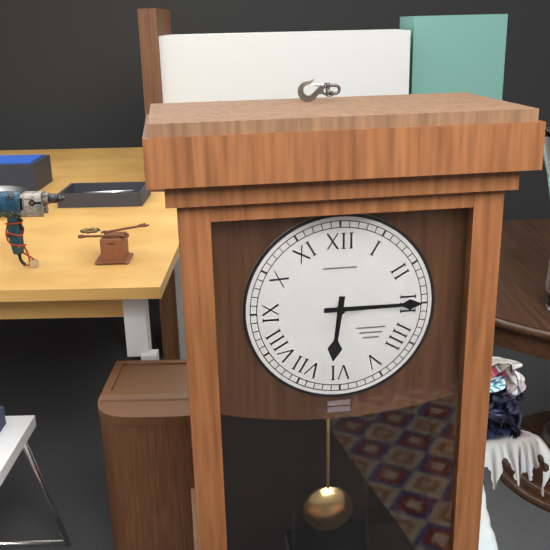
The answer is 6:15
